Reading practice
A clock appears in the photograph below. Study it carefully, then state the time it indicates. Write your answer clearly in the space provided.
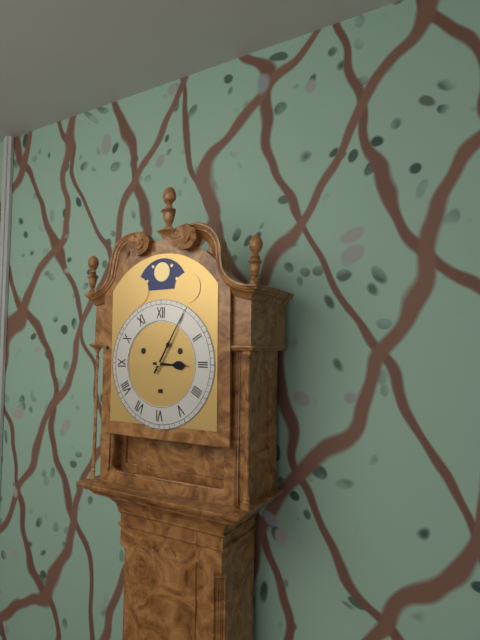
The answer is 3:05
